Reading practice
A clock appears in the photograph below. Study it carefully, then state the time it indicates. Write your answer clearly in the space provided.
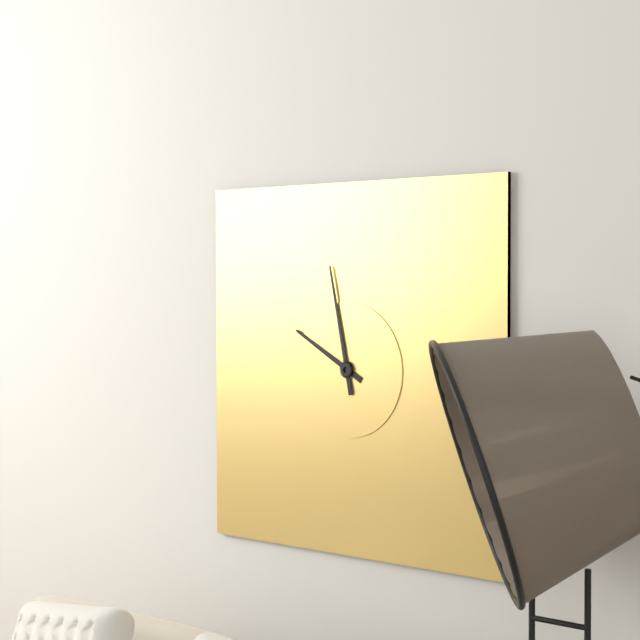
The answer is 9:58
